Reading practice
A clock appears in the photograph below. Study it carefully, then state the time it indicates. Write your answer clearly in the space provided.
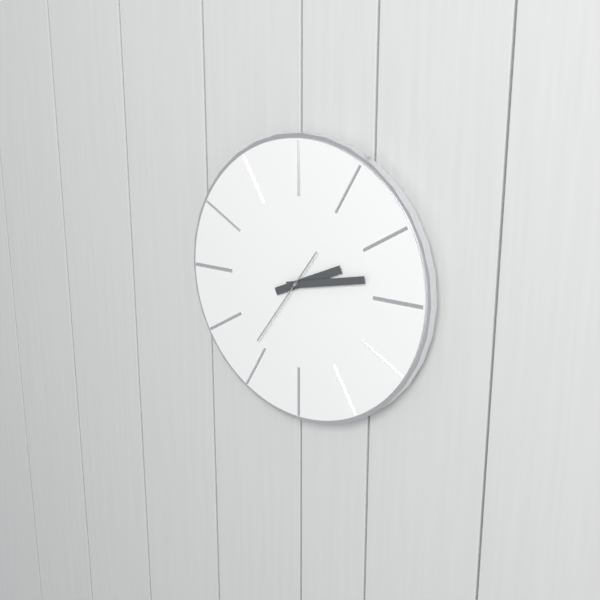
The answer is 2:13:36
